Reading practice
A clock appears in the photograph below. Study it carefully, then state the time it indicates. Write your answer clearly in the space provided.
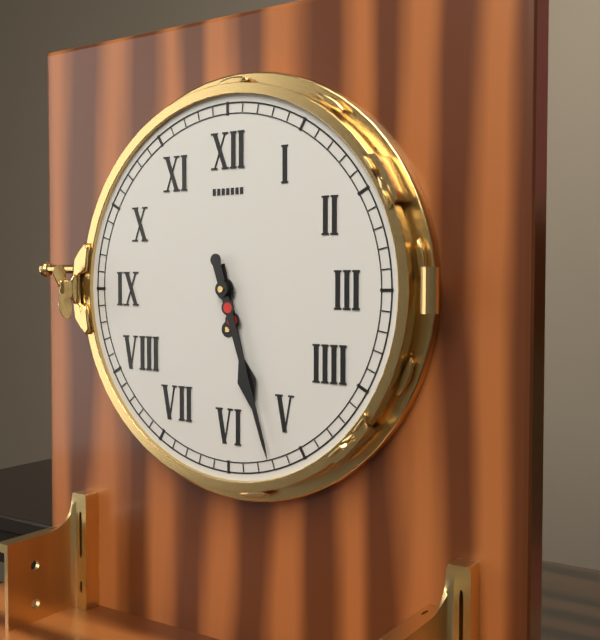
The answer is 5:27
